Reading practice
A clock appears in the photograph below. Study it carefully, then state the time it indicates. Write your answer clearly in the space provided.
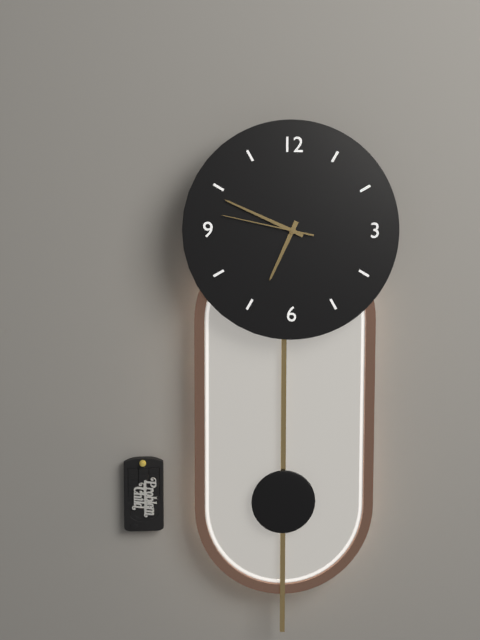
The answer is 6:49:47
